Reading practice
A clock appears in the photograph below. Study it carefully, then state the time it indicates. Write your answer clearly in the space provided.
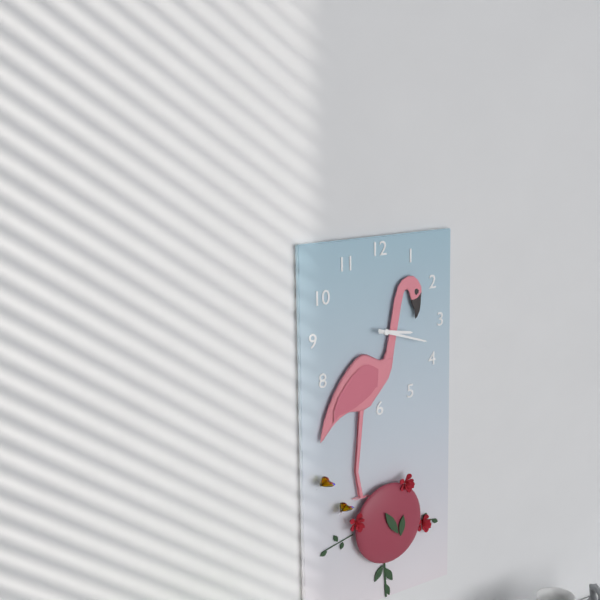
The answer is 3:18
